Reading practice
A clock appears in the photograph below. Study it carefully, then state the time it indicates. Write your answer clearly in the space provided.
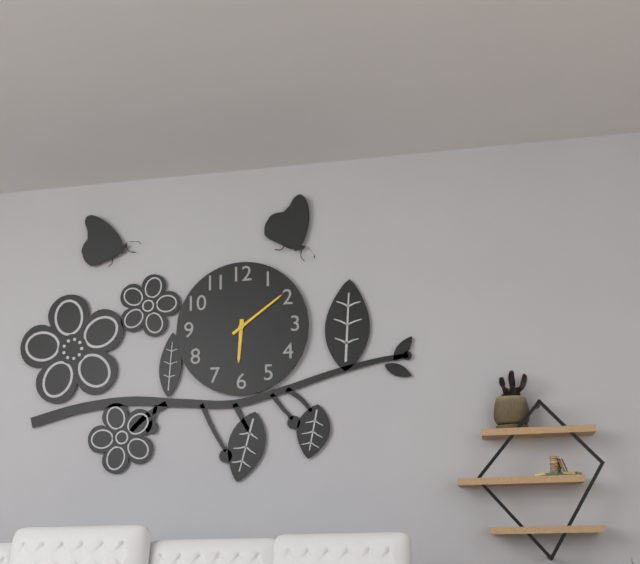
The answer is 6:09
